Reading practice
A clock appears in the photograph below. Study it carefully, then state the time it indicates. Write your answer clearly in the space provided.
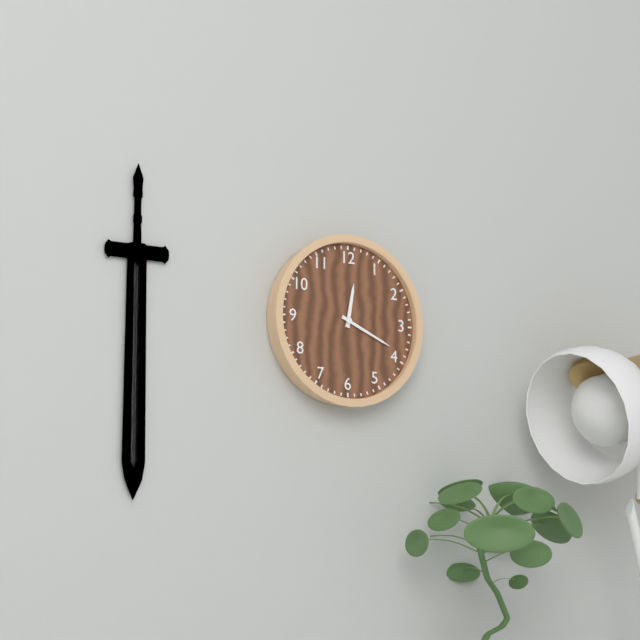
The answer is 12:19
